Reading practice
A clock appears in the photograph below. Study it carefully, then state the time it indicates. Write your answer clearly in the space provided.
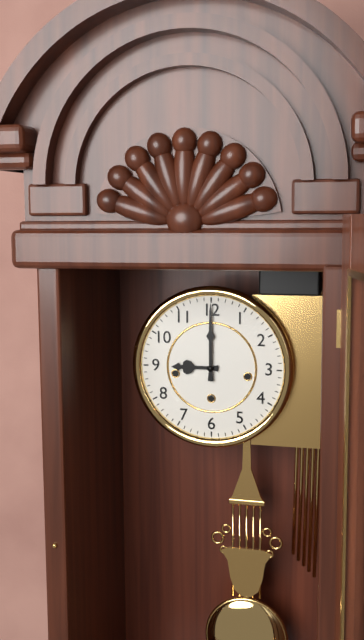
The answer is 9:00
